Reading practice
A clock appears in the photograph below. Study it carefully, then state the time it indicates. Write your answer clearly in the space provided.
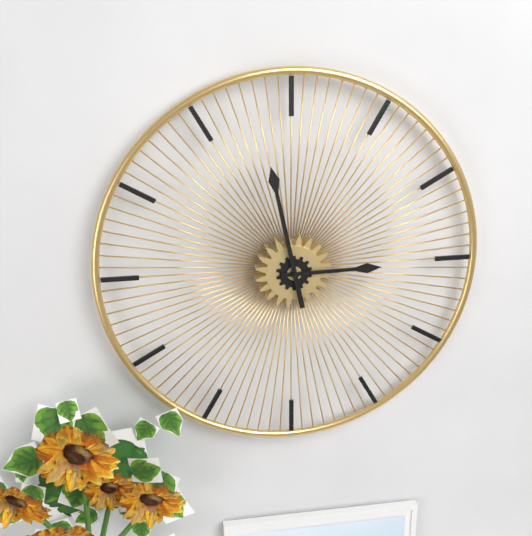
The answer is 2:58
